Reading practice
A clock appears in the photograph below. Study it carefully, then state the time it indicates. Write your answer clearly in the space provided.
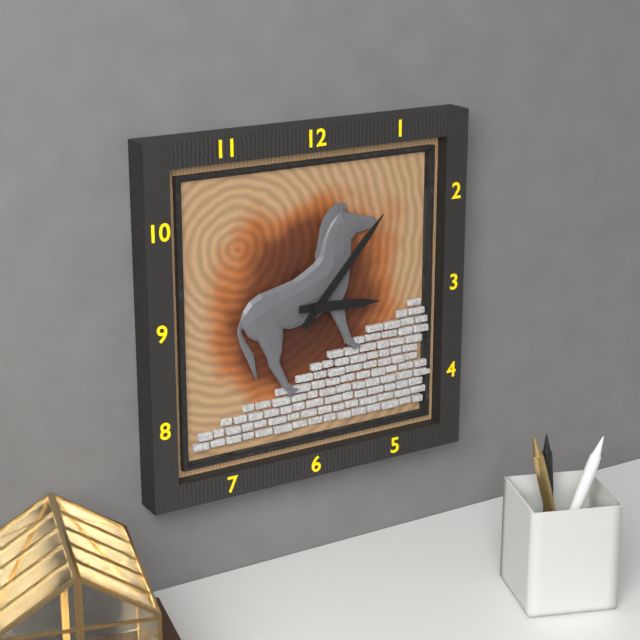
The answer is 3:07
